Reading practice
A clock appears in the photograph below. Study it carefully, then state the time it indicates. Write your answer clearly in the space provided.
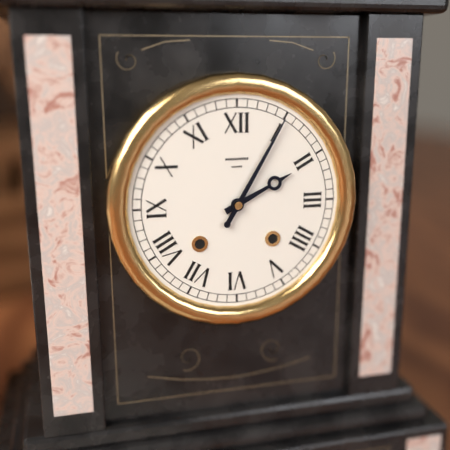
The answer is 2:05
